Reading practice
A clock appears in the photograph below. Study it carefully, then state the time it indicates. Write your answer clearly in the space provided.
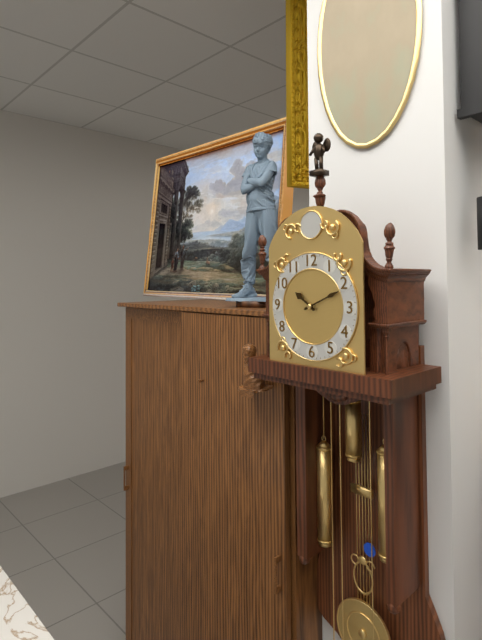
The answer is 10:11
